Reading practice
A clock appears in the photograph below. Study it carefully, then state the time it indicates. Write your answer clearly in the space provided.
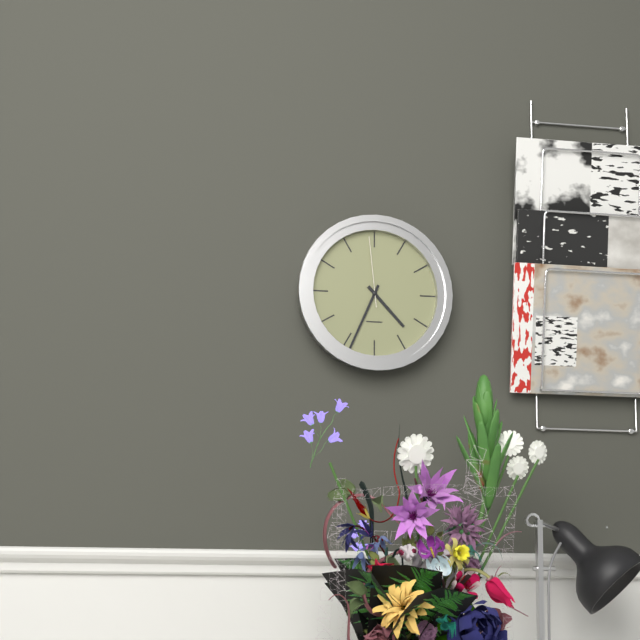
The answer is 4:34:59
